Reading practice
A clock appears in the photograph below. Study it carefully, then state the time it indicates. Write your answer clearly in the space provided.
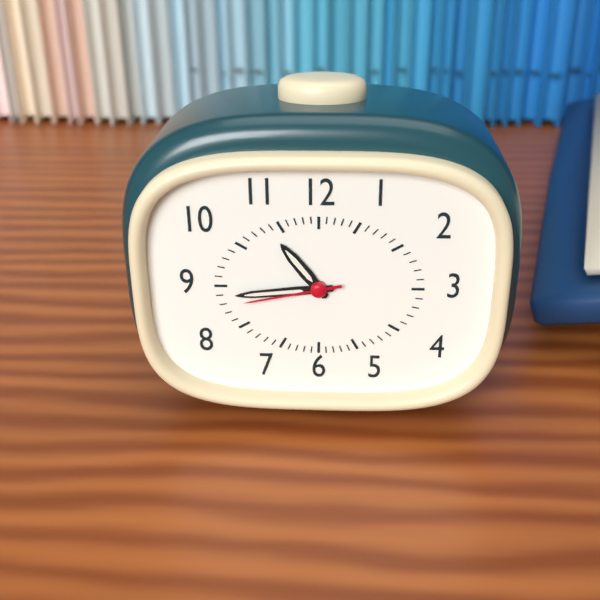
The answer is 10:44:43
